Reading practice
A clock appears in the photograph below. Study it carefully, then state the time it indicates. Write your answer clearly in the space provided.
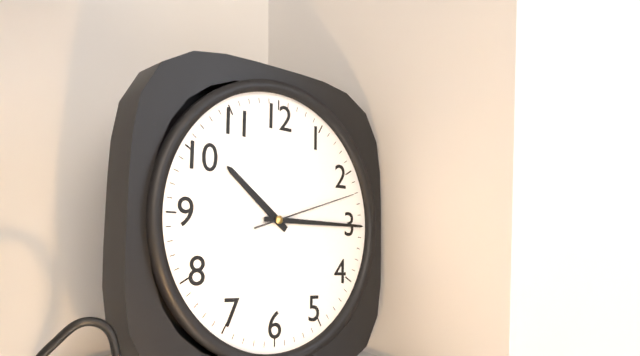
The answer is 10:15:12
